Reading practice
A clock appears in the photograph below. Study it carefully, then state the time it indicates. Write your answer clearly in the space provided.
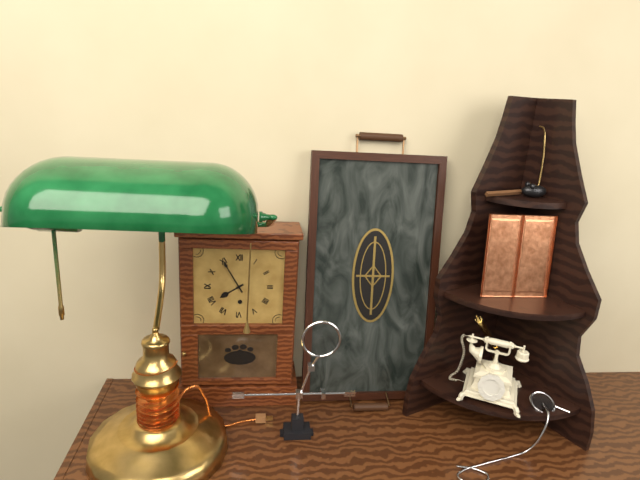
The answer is 7:55
